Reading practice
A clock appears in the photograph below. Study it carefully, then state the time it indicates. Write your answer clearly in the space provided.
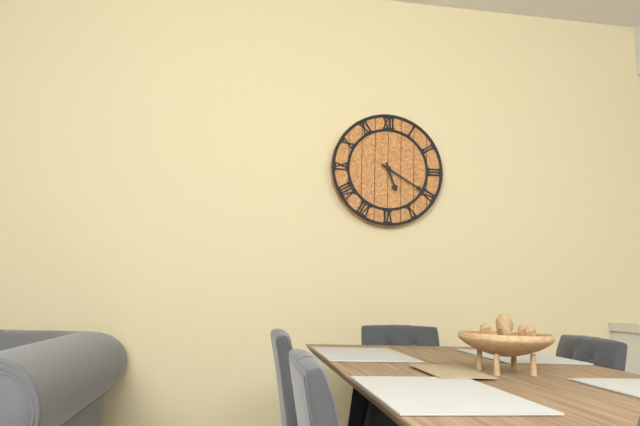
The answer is 5:20
